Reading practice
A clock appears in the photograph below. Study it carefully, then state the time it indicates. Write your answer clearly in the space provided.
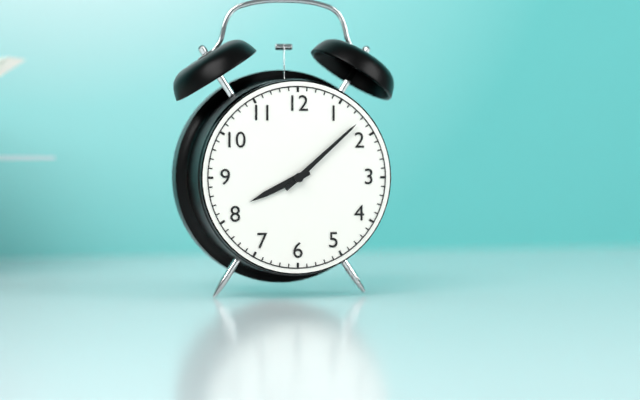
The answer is 8:08
